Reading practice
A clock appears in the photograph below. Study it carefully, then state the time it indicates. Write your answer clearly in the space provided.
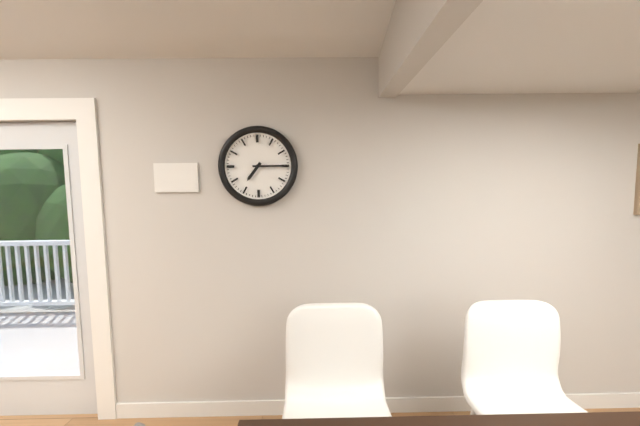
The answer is 7:15
